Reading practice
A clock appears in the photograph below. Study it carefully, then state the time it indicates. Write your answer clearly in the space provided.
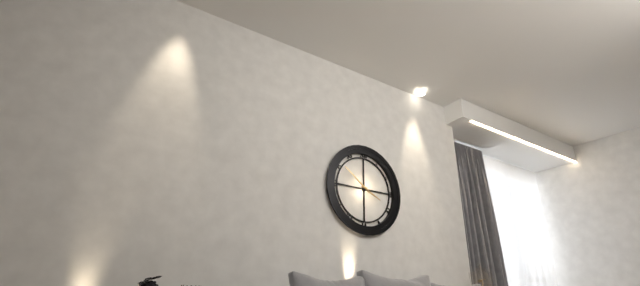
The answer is 3:51
